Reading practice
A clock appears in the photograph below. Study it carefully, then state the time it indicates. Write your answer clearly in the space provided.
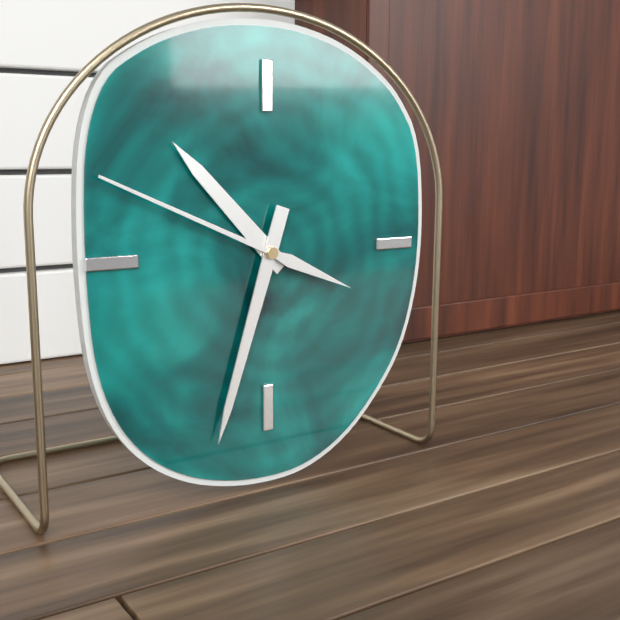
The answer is 10:33:49
